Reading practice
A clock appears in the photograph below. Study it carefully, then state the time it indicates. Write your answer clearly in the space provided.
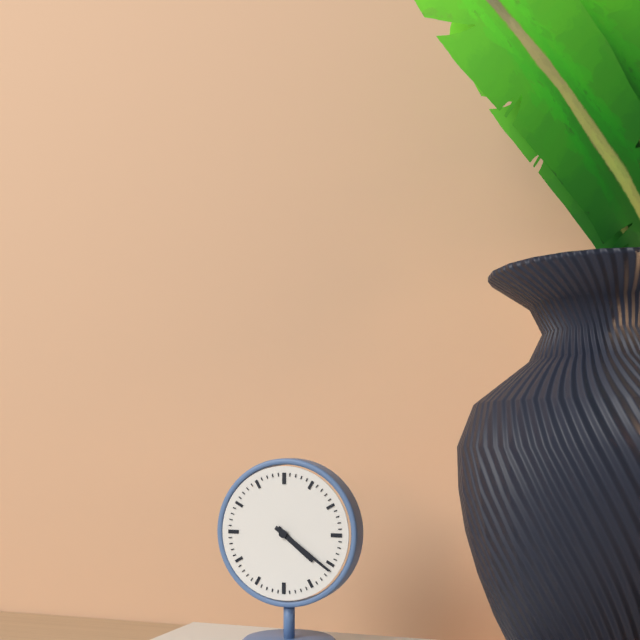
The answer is 4:21
